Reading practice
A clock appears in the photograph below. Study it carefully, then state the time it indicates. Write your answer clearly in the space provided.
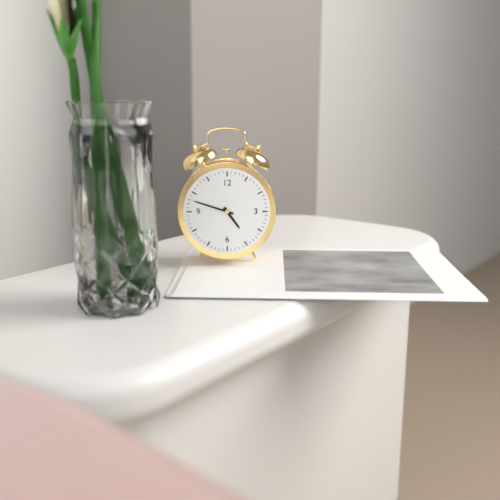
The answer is 4:48
